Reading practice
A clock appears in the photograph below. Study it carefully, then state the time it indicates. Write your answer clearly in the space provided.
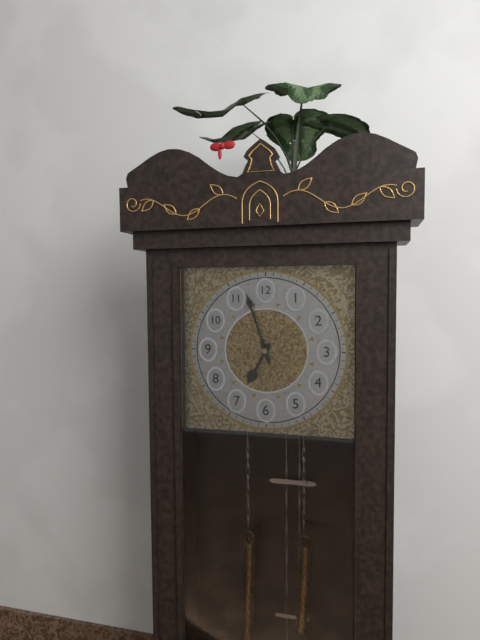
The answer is 6:57
